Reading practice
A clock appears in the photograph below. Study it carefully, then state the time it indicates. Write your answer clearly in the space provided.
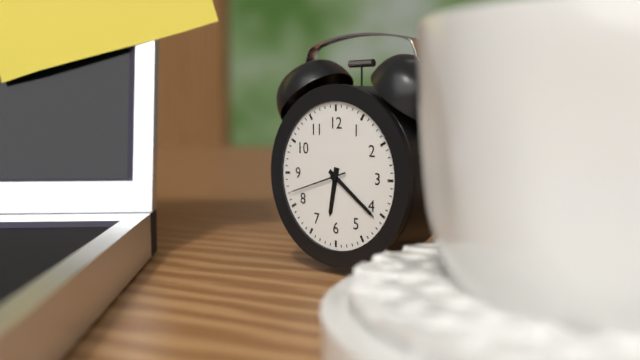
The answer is 6:21:42
